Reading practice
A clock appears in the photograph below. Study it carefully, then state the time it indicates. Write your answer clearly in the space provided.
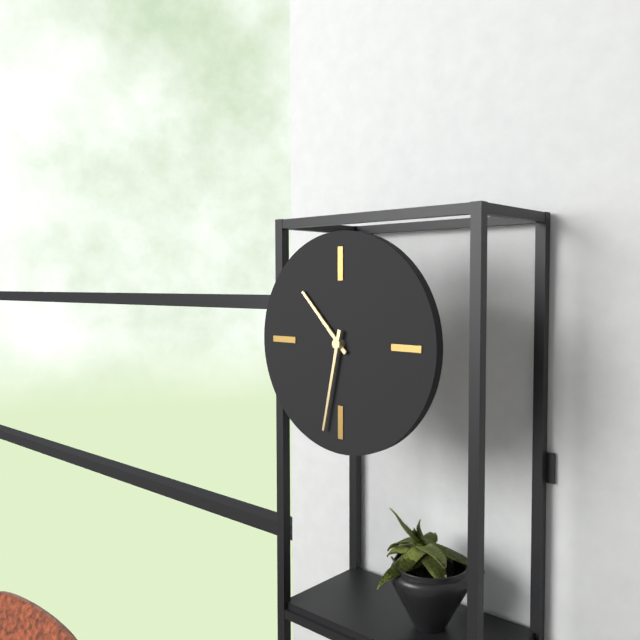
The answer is 10:32
